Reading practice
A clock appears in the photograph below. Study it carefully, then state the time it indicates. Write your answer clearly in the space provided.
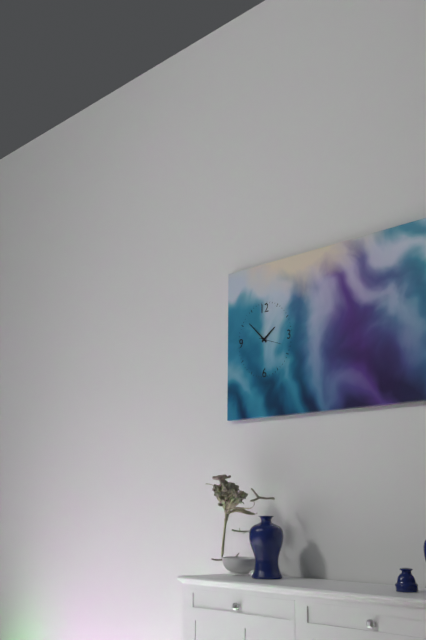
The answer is 1:52
